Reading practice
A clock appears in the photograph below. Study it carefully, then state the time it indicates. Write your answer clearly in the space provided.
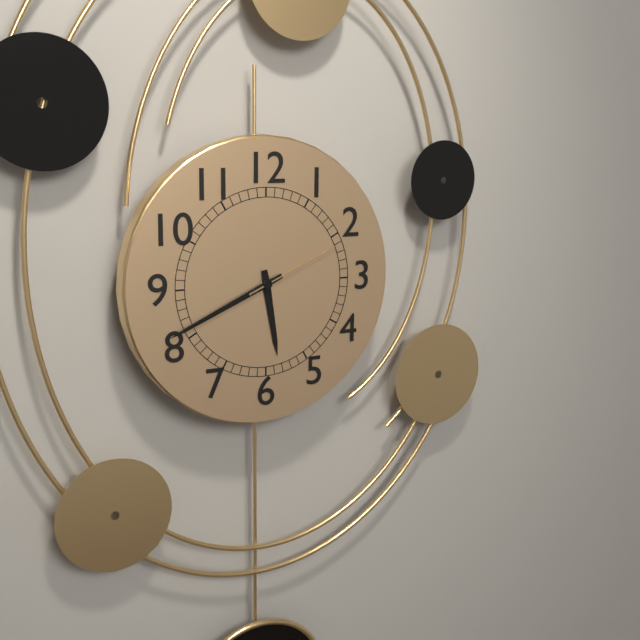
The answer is 5:41:11
